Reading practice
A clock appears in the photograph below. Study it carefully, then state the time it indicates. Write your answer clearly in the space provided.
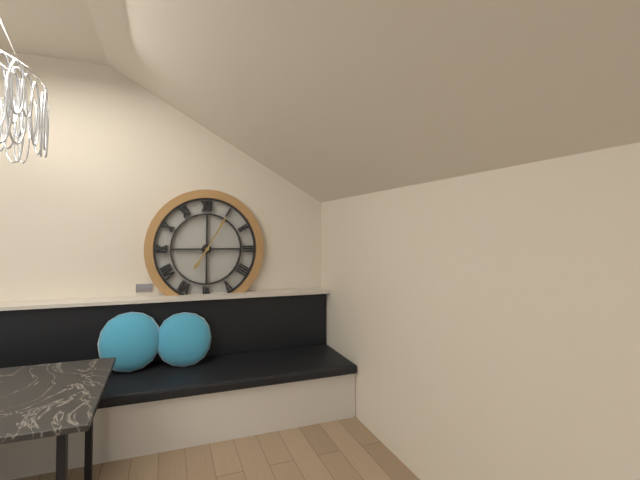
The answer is 7:05
